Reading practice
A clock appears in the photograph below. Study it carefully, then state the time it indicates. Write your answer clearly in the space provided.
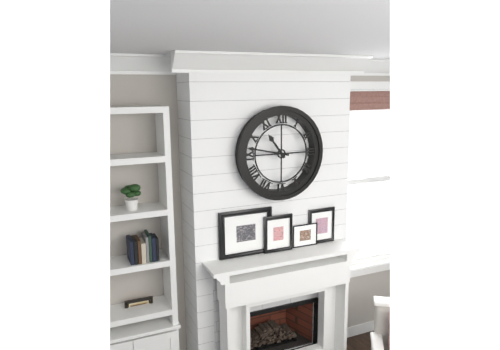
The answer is 10:47
